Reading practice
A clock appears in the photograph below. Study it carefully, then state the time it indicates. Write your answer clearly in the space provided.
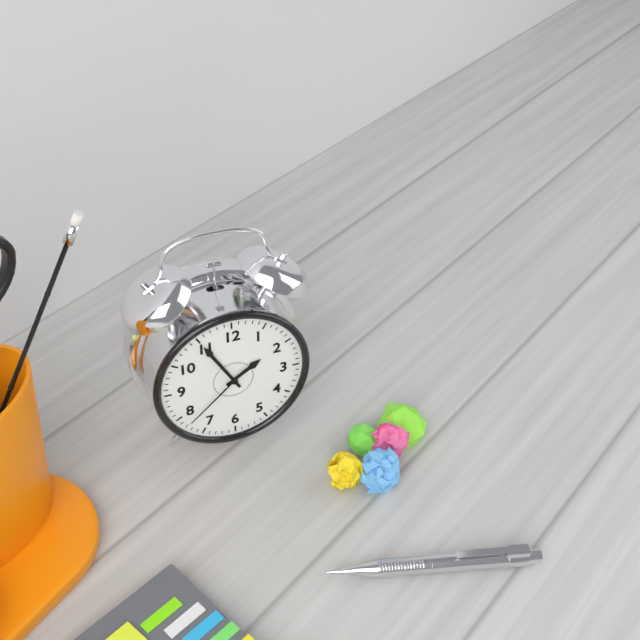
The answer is 1:55:38
